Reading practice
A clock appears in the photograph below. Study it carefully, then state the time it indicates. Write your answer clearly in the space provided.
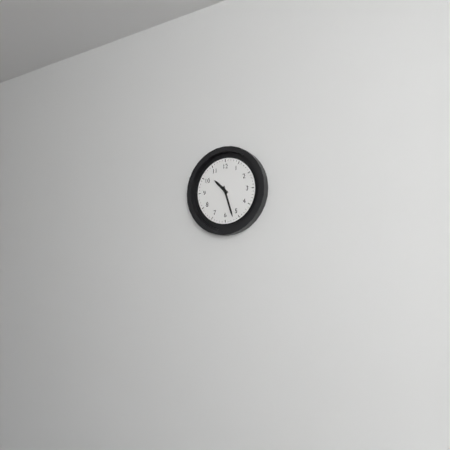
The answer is 10:27
